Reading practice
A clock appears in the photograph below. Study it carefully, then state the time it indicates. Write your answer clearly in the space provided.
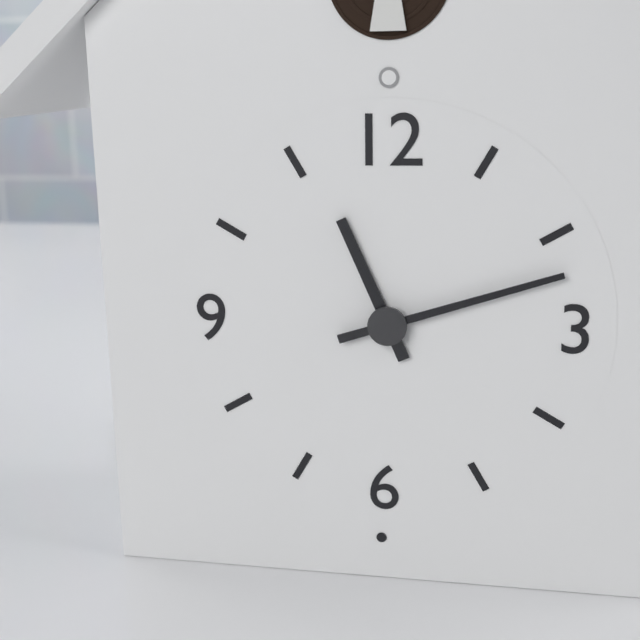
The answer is 11:12
